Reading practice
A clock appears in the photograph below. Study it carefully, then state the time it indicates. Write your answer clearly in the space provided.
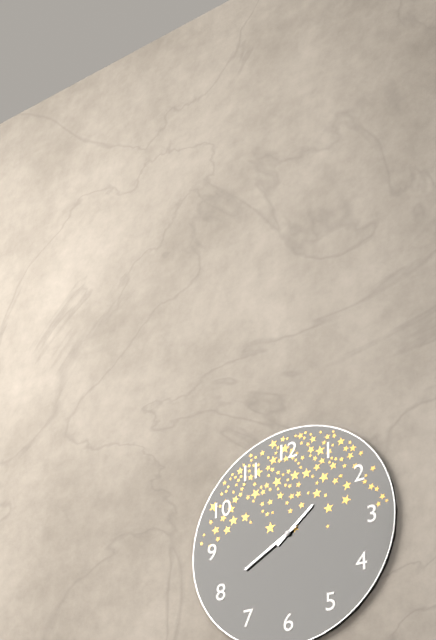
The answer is 1:40
